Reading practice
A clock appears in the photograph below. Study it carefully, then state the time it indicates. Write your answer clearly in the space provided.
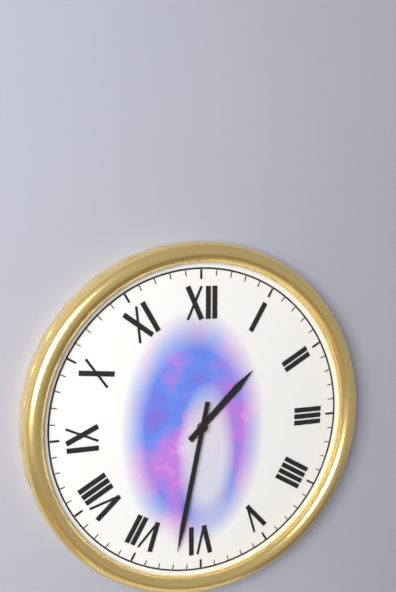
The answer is 1:32
